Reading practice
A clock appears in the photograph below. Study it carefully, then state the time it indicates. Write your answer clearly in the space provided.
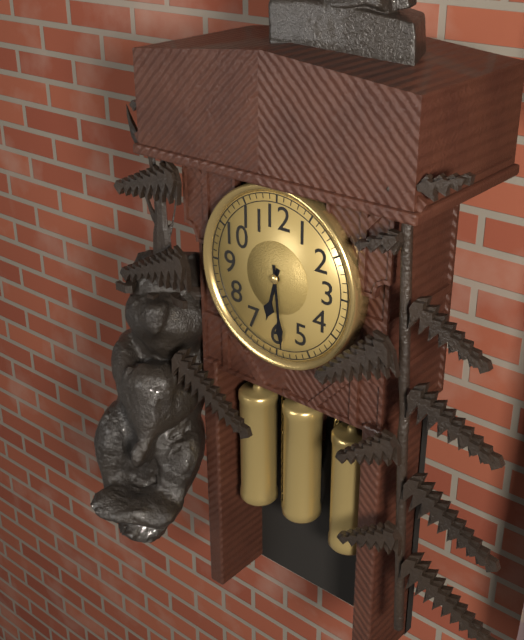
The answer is 6:29
